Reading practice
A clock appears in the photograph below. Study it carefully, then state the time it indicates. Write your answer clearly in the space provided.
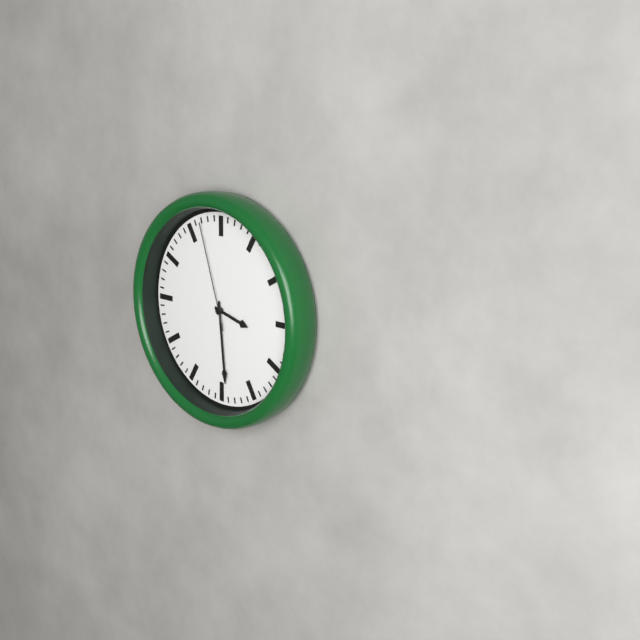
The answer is 3:29:57
